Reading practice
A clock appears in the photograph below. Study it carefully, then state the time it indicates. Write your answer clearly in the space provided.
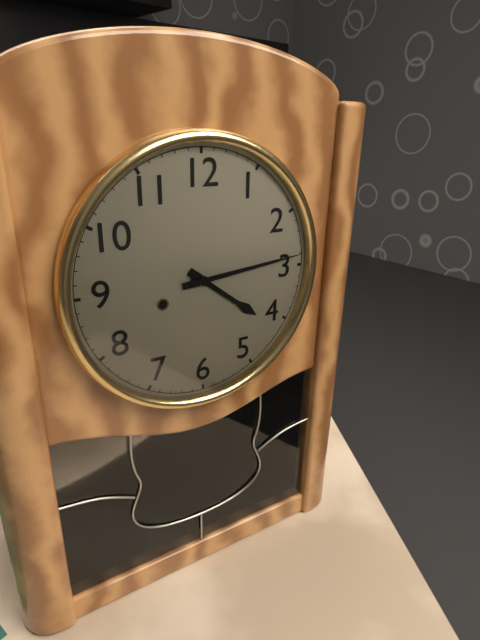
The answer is 4:14
